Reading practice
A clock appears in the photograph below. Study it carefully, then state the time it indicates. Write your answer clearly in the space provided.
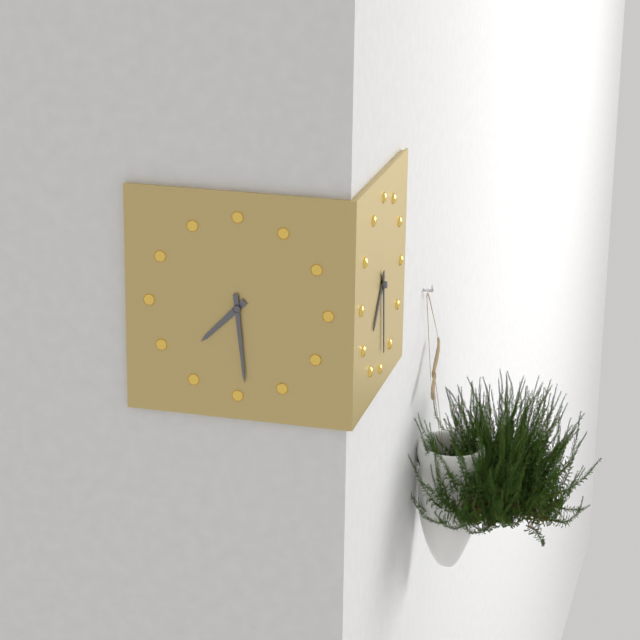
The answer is 7:29
